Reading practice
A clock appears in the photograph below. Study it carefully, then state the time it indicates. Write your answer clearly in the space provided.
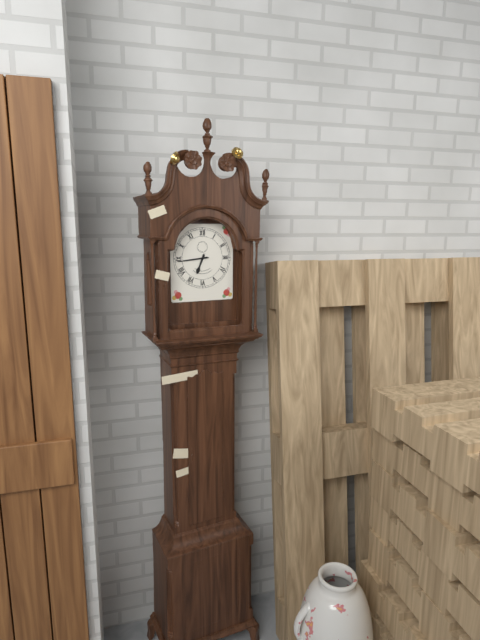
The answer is 6:44
